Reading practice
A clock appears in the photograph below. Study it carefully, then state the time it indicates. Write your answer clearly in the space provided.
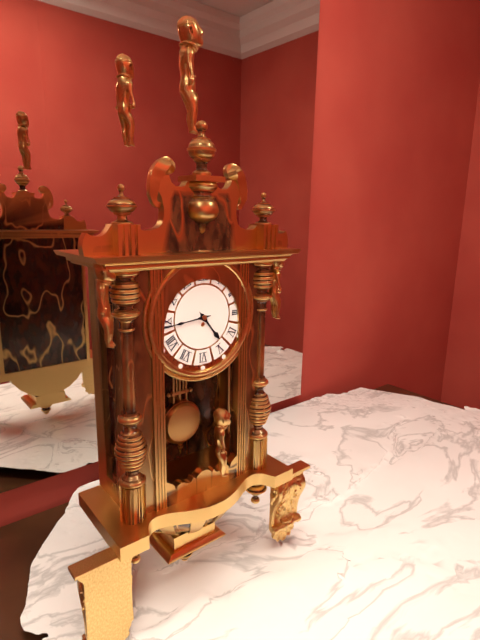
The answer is 4:44
